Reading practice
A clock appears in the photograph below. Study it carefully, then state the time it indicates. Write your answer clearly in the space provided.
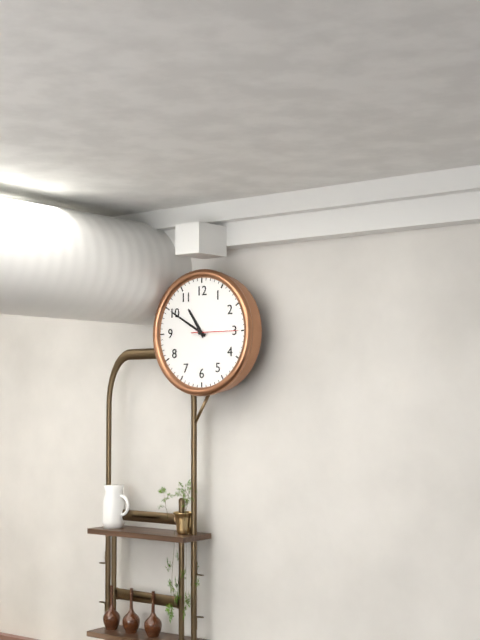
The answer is 10:50
